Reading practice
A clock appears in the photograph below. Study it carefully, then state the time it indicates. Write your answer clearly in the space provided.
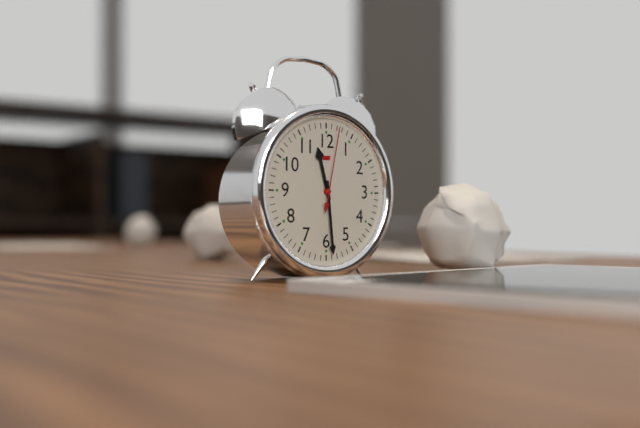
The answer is 11:29:02
